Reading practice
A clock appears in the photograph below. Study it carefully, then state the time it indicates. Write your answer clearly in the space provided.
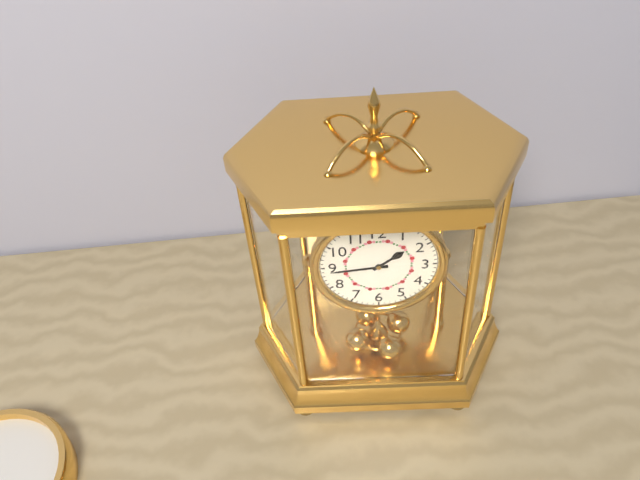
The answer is 1:44
